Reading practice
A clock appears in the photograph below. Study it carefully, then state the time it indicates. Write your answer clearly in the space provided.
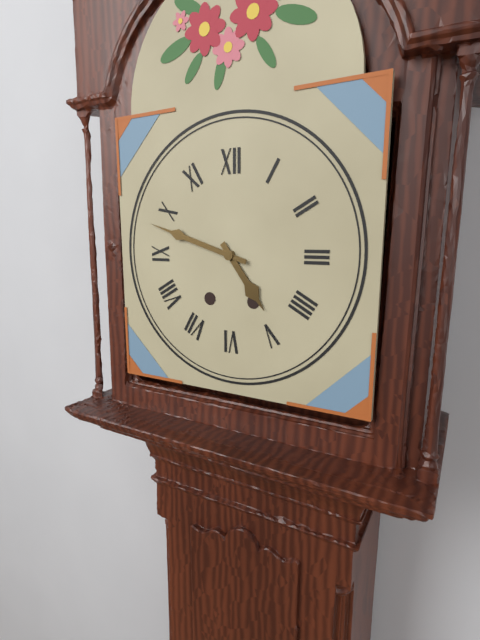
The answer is 4:48
